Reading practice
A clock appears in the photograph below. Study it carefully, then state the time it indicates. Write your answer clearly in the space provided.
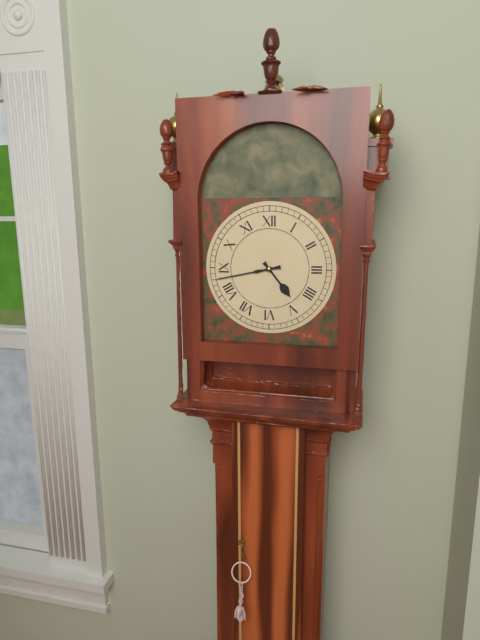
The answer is 4:43
